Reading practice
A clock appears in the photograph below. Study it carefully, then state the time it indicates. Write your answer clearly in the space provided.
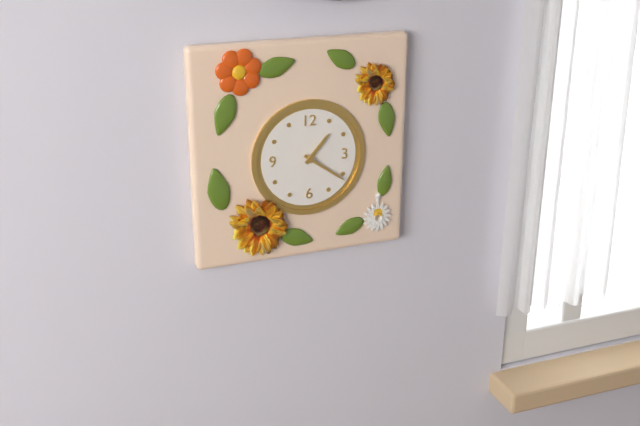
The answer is 1:21
